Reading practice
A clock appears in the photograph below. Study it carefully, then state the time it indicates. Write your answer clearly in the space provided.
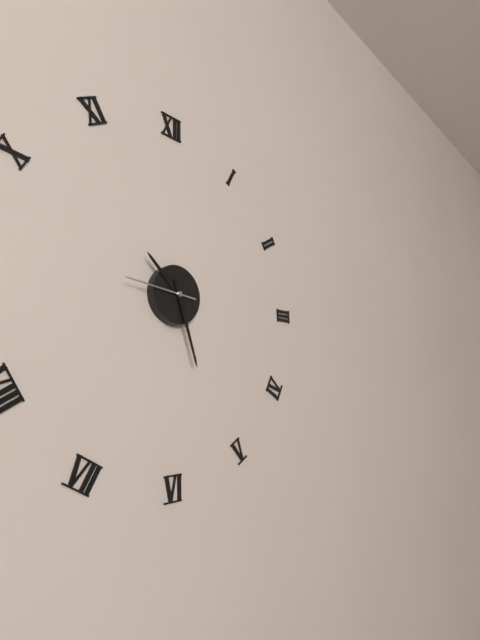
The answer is 10:27:46
